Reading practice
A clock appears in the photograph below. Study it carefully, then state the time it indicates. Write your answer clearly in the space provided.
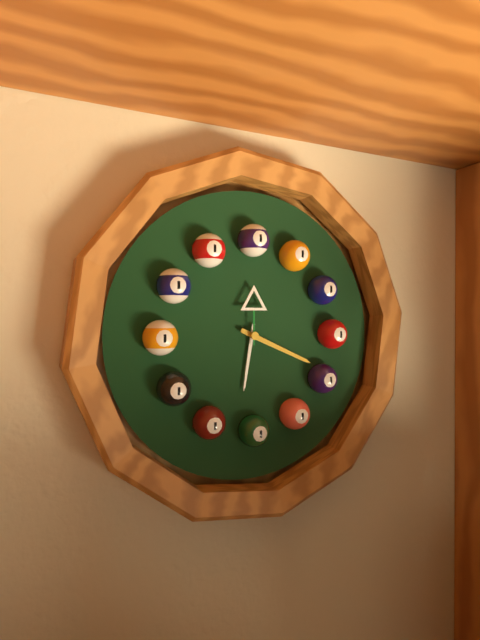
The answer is 6:19:00
